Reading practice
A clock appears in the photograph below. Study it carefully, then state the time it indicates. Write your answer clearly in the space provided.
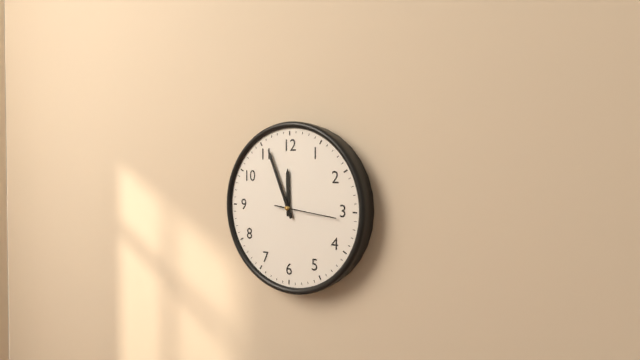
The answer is 11:56:16
